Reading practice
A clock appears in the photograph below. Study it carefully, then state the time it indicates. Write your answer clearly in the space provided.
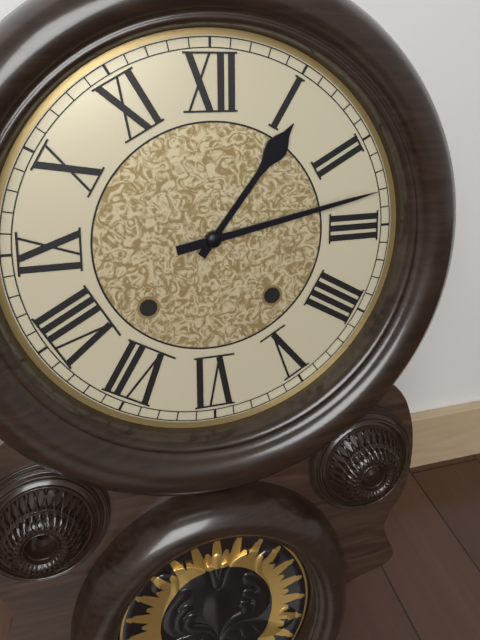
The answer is 1:13
